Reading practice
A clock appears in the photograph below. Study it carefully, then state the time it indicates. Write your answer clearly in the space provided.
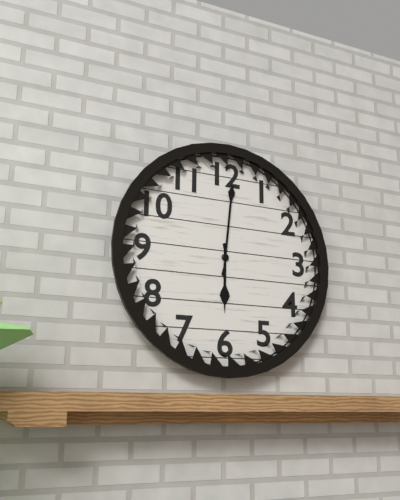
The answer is 6:01
